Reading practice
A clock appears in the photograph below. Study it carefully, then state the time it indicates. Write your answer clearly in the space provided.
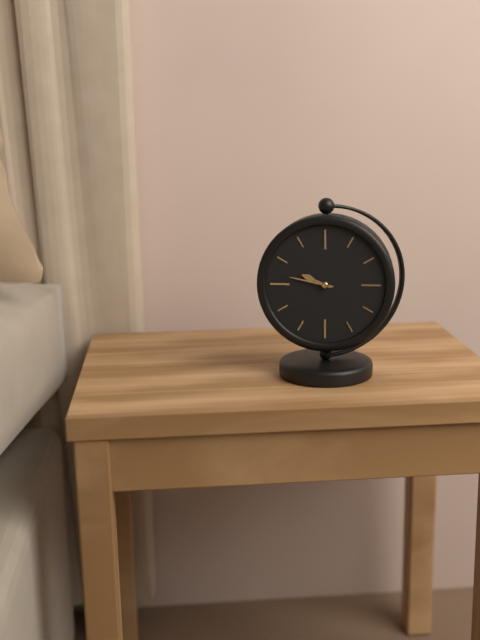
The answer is 9:47
